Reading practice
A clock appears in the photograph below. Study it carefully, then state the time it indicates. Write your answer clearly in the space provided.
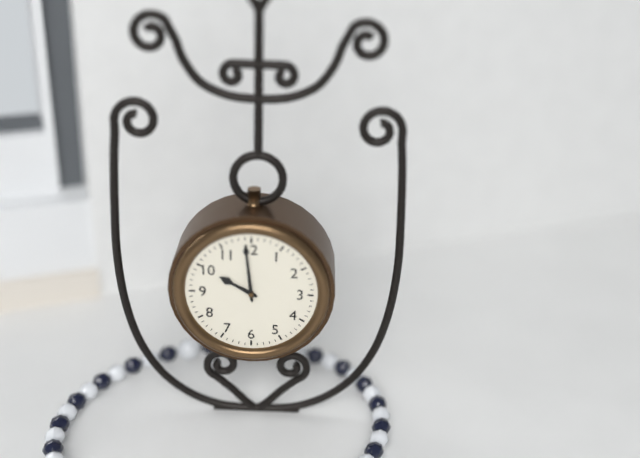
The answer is 9:59
